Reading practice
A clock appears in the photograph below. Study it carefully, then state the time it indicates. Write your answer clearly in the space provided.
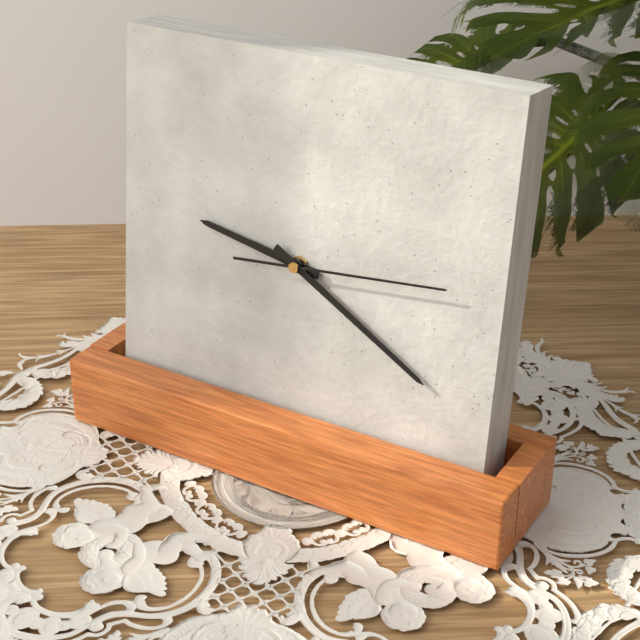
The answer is 9:20:14
